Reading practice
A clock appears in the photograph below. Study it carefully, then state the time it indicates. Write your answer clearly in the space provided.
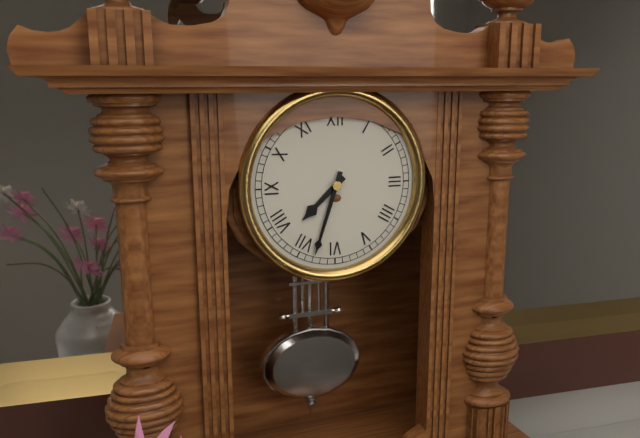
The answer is 7:33
